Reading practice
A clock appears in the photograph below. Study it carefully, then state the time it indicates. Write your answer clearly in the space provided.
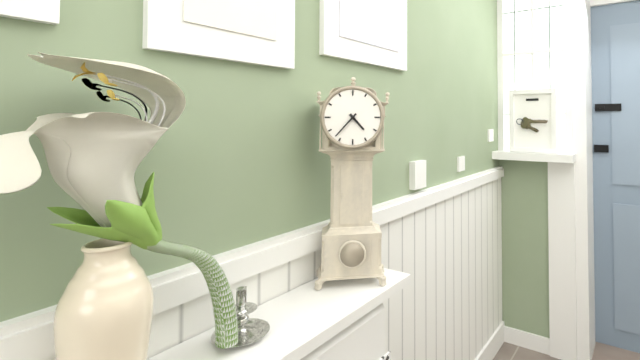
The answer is 4:37
